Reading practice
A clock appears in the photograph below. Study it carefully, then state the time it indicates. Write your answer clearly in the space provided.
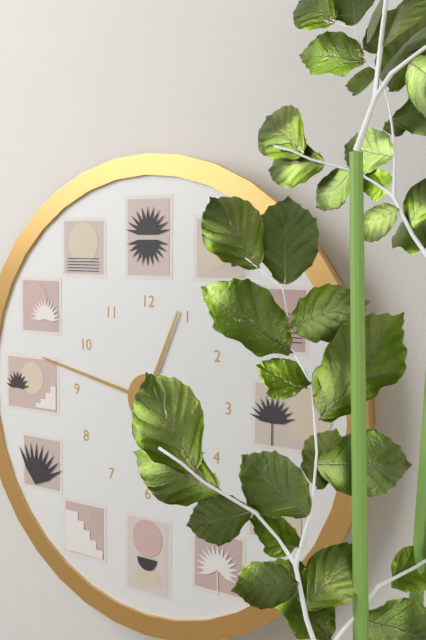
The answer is 12:47
